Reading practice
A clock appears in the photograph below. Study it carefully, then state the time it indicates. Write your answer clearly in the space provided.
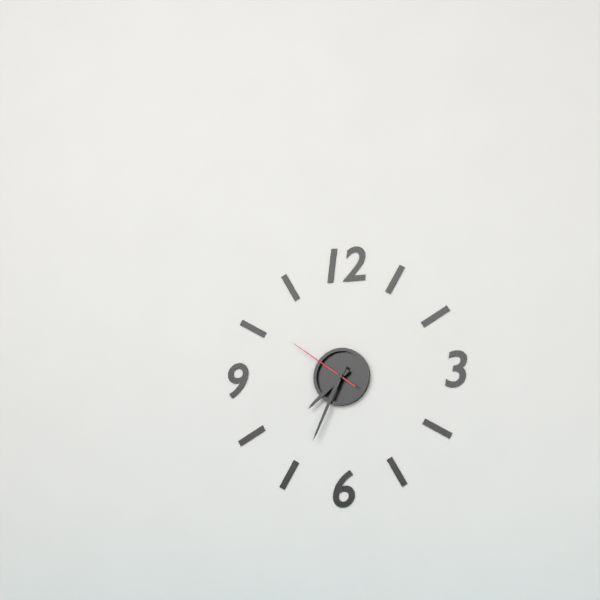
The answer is 7:34:51
